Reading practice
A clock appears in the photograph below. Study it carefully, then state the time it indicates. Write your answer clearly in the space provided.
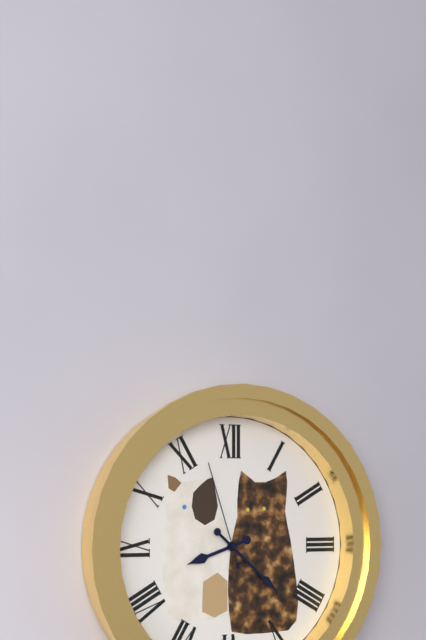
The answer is 8:22:57
